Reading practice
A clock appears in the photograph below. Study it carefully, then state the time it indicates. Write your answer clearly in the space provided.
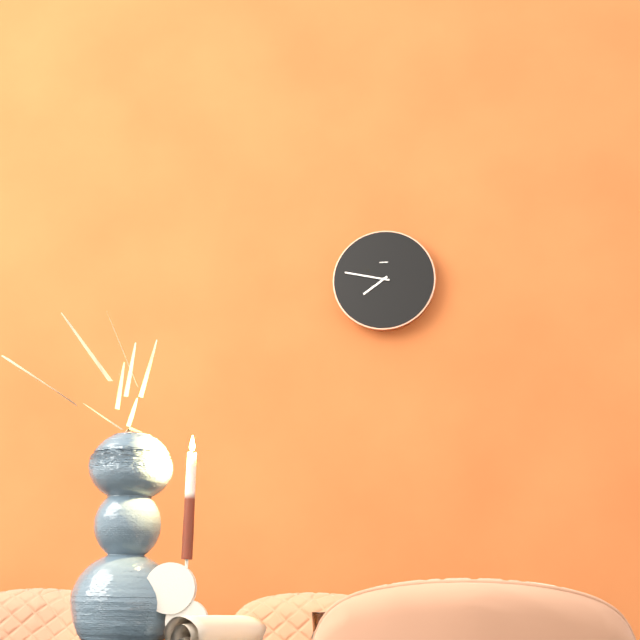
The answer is 7:47
